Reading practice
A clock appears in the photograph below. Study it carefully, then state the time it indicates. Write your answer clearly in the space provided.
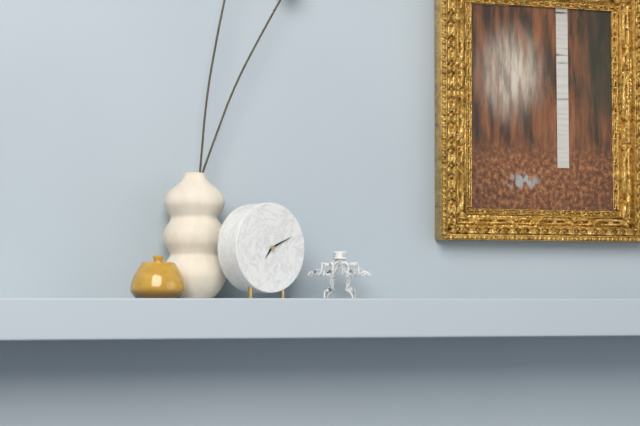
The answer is 7:11
